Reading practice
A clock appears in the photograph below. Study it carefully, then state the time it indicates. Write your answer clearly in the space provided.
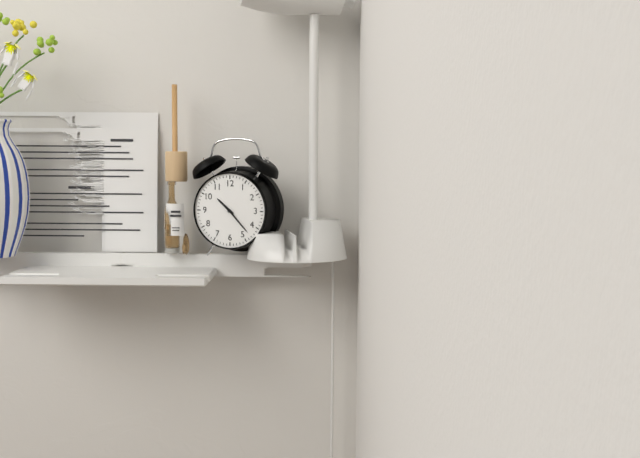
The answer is 10:23
